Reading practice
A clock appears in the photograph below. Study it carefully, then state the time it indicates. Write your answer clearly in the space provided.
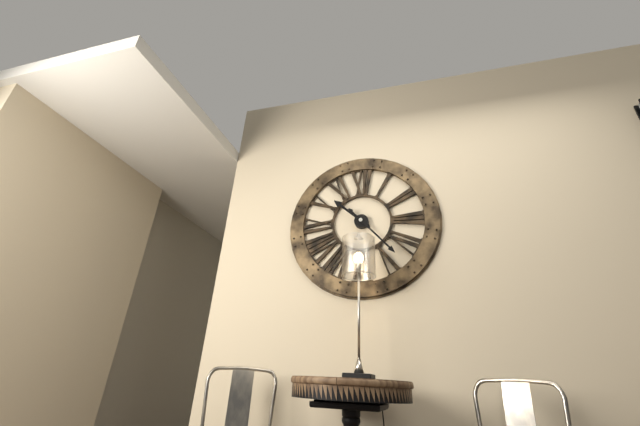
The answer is 10:23
